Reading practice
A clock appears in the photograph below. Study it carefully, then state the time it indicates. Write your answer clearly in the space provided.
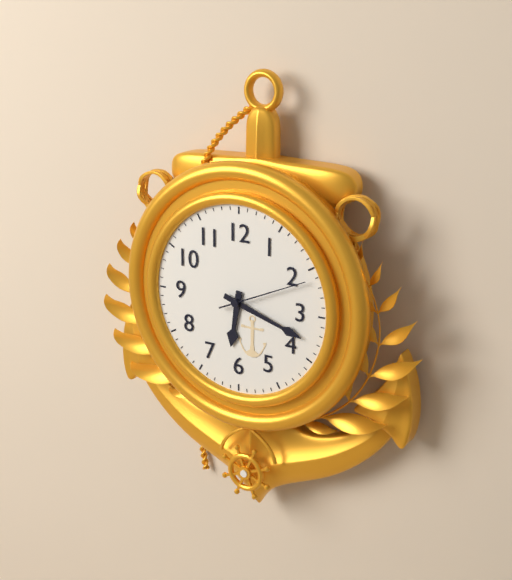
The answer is 6:18:11
